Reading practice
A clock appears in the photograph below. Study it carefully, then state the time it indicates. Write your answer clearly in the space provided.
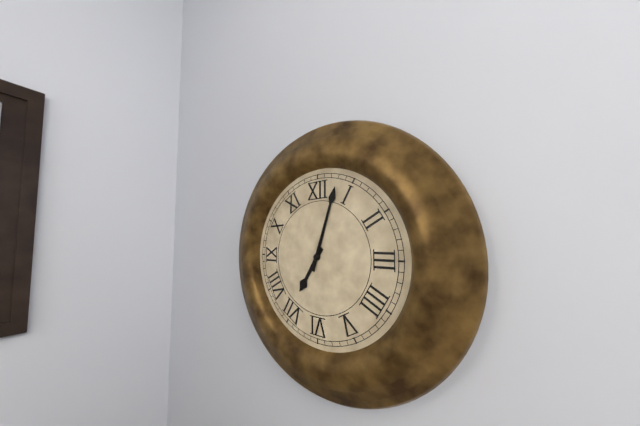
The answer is 7:03
